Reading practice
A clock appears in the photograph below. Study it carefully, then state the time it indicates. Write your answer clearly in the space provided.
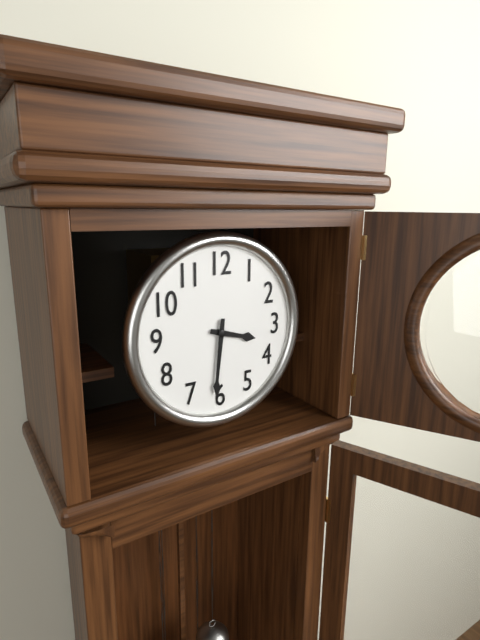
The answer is 3:31
